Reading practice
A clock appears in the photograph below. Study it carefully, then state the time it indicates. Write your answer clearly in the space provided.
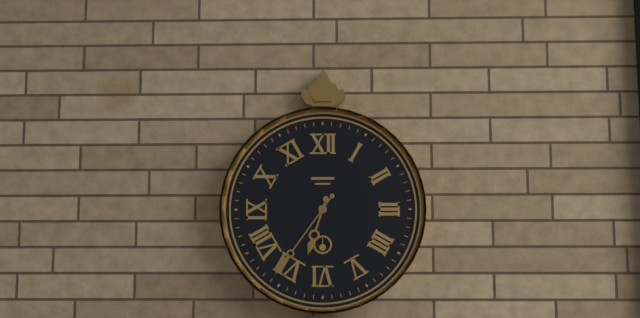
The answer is 6:36
